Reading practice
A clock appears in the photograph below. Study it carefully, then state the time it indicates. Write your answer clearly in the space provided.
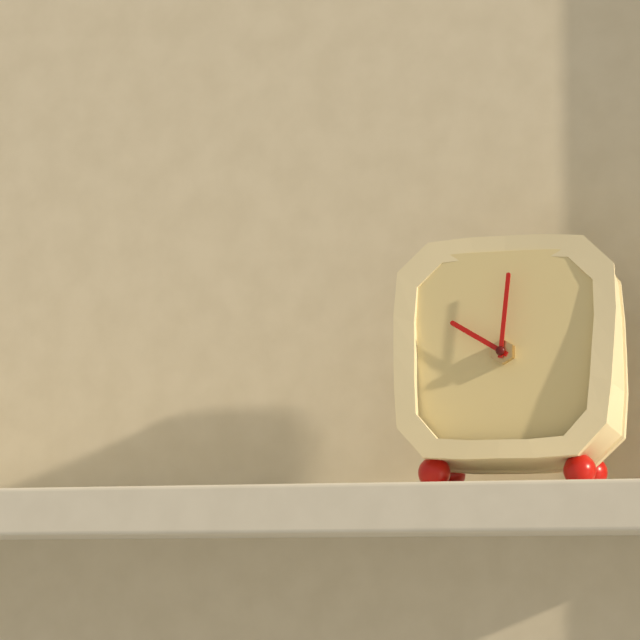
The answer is 10:01
